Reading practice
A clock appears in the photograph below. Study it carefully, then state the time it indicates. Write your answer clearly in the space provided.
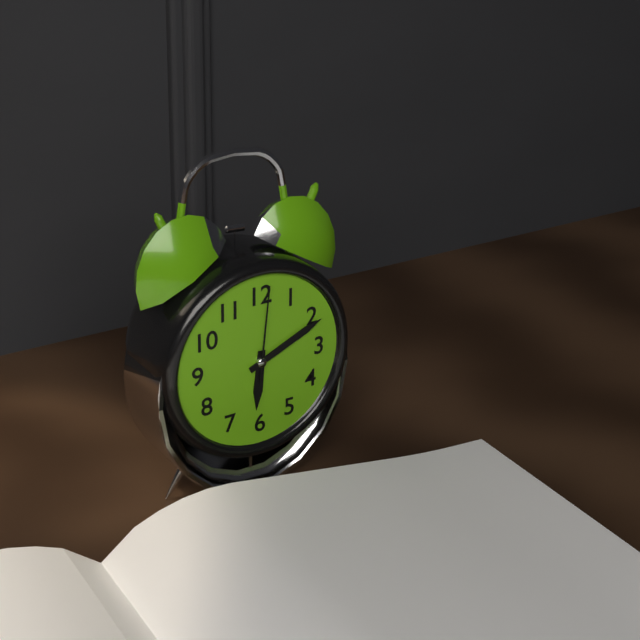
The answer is 6:11:01
